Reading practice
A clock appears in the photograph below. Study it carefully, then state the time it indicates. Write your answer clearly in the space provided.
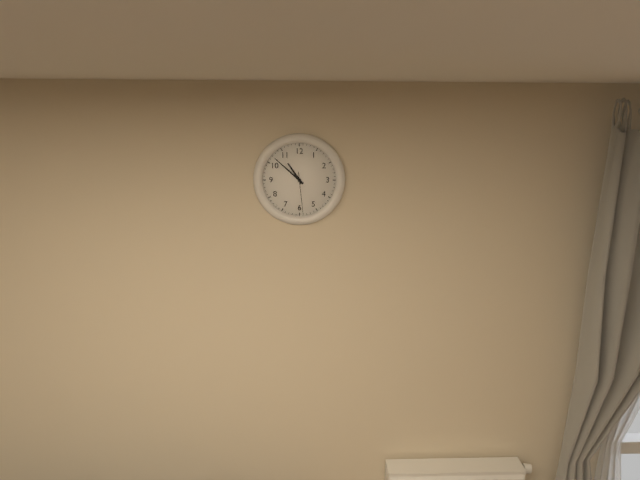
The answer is 10:52
